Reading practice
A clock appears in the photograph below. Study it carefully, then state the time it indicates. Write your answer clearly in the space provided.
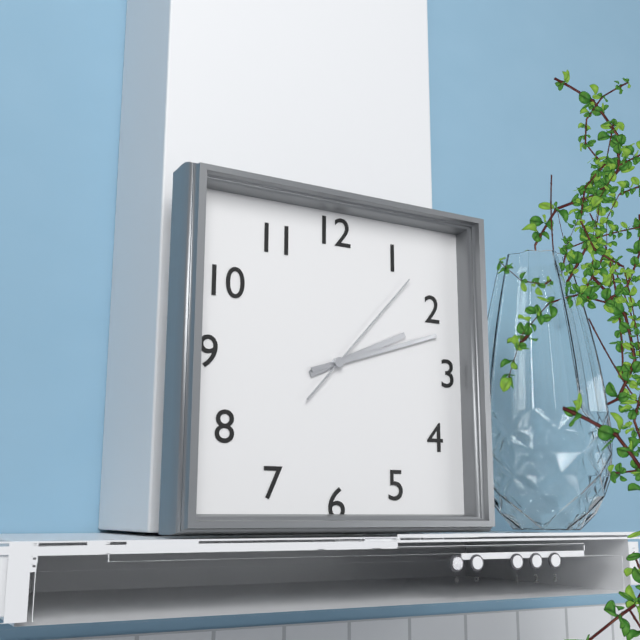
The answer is 2:12:07
